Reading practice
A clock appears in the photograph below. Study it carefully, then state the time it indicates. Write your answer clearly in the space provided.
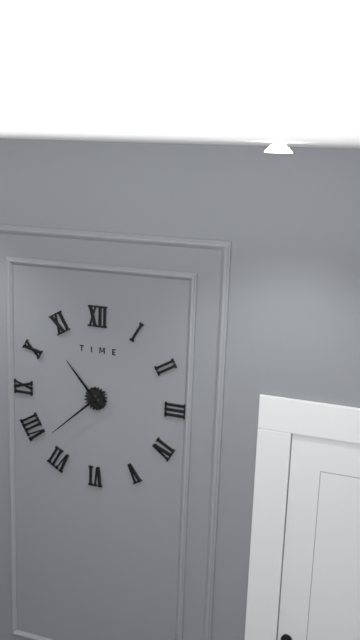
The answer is 10:38
